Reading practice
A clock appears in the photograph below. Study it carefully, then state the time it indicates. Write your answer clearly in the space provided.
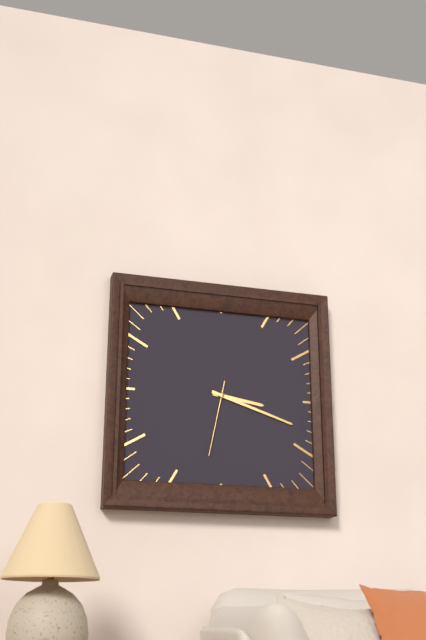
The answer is 3:18:32
